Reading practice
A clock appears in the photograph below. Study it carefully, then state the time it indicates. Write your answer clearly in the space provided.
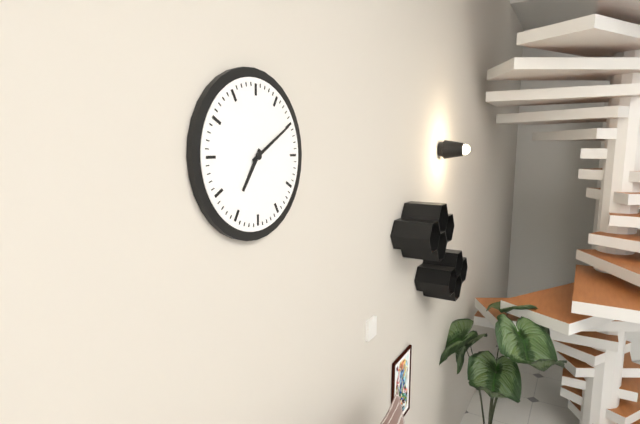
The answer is 7:10
